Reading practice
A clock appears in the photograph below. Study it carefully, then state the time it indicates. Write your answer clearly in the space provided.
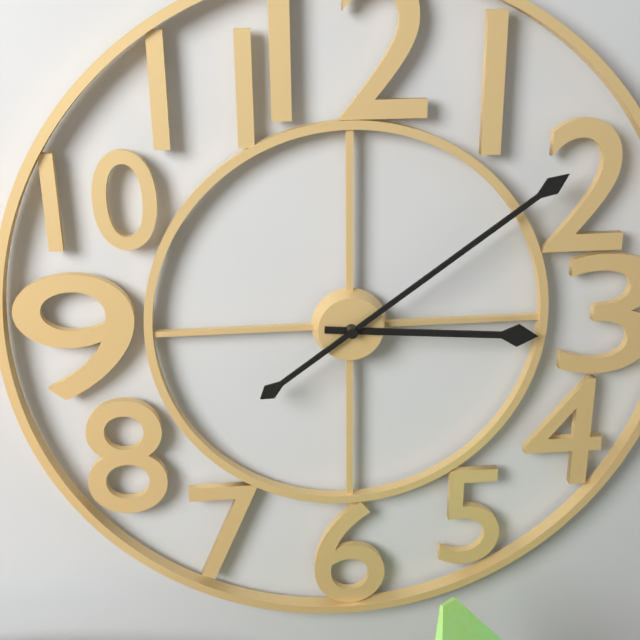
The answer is 3:09
